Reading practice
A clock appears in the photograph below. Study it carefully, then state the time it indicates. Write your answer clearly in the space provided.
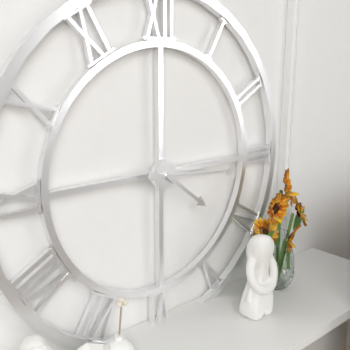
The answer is 4:16
